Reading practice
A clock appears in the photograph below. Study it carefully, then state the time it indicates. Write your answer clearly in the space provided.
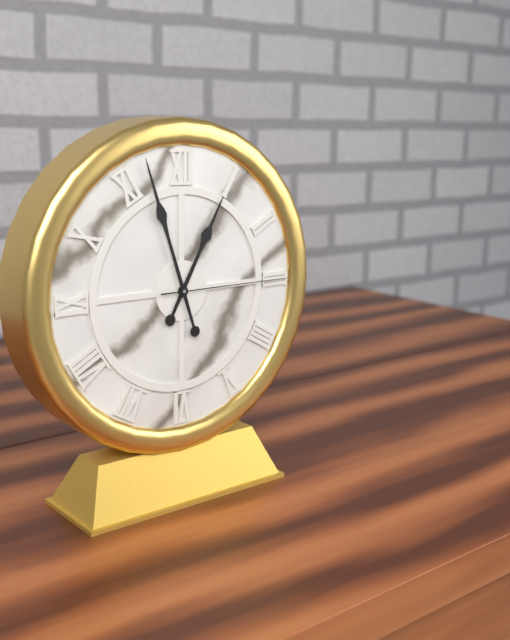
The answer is 12:57:15
